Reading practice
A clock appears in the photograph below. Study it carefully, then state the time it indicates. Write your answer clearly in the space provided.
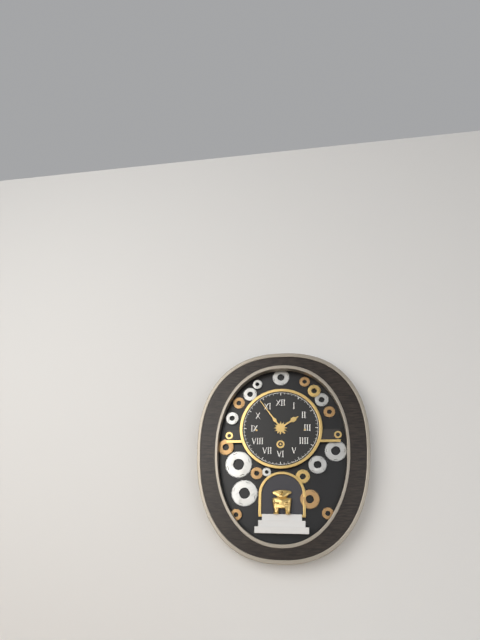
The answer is 1:54
